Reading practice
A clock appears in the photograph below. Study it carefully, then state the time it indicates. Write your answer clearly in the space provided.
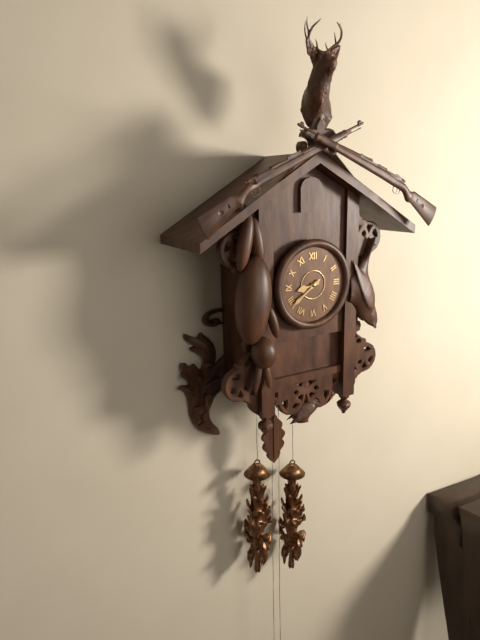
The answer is 8:39
